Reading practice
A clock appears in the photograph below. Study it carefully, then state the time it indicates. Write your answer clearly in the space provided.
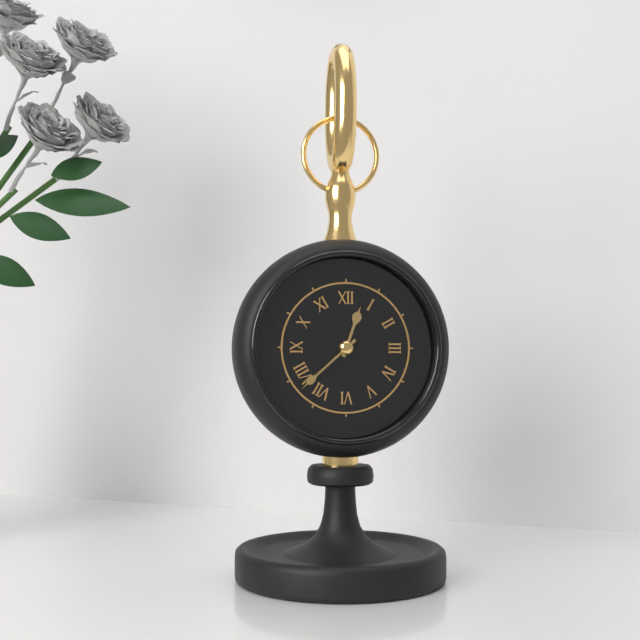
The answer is 12:38
